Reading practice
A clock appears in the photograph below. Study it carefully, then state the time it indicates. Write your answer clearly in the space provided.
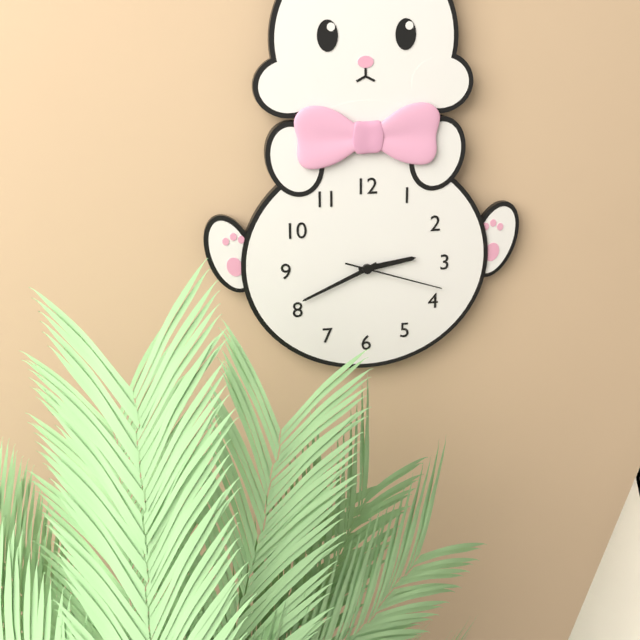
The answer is 2:41:18
